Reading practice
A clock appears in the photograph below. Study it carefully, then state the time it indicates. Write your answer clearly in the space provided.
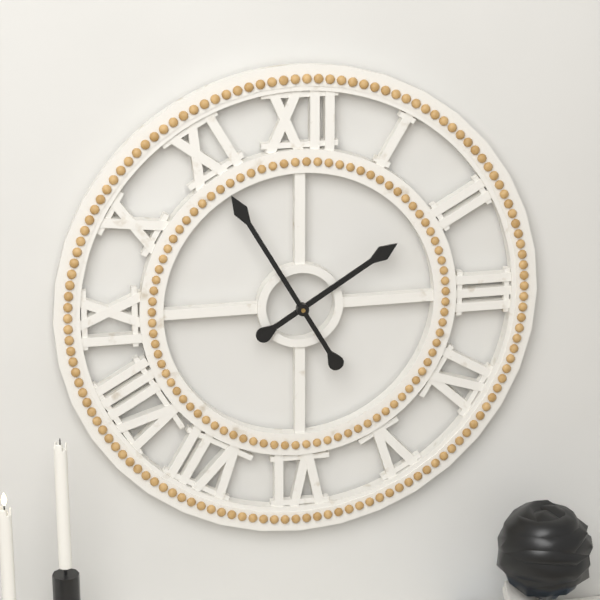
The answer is 1:55
